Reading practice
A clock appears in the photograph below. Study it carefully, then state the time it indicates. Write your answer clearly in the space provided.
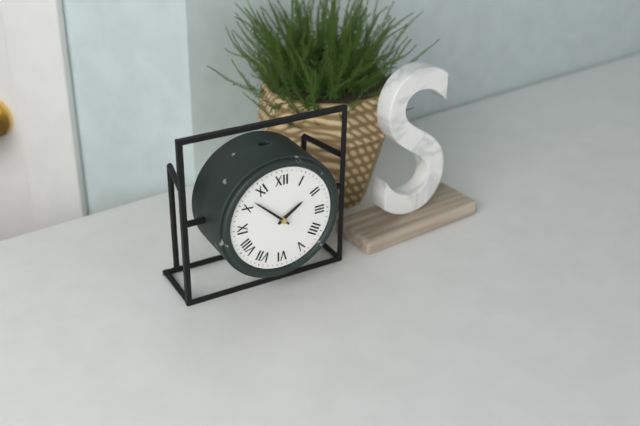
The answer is 1:52
